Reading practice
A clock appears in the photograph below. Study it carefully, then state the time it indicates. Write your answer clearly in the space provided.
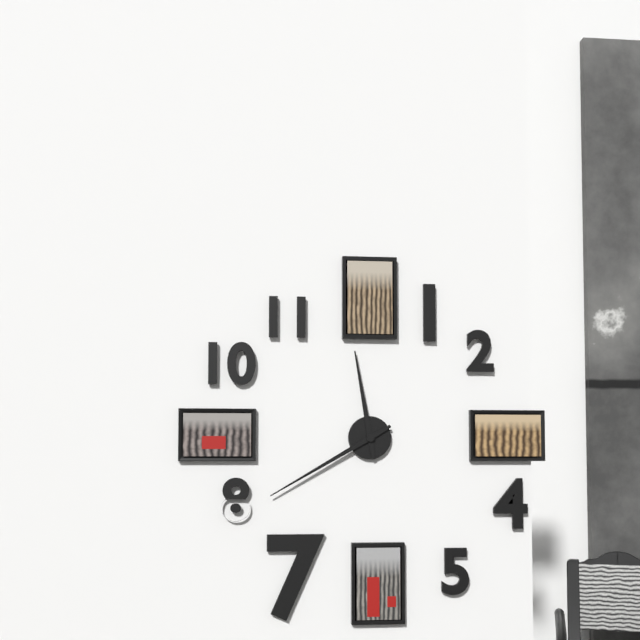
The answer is 11:40
